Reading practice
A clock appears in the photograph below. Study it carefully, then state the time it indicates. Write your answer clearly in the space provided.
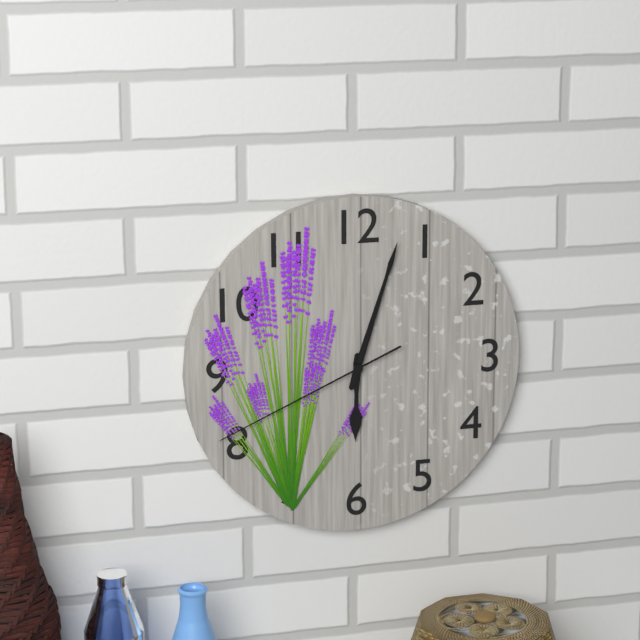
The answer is 6:03:41
